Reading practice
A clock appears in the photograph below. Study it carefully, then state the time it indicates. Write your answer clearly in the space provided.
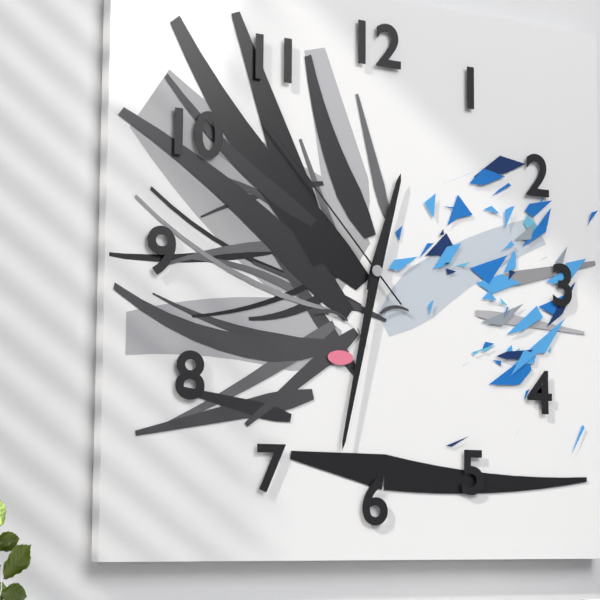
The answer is 12:32:53
